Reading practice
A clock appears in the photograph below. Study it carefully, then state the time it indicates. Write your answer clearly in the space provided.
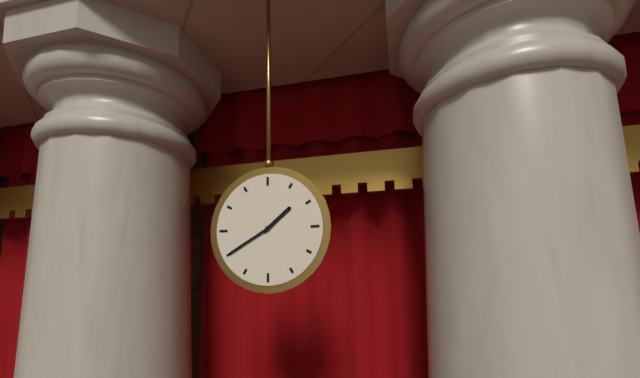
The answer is 1:40
